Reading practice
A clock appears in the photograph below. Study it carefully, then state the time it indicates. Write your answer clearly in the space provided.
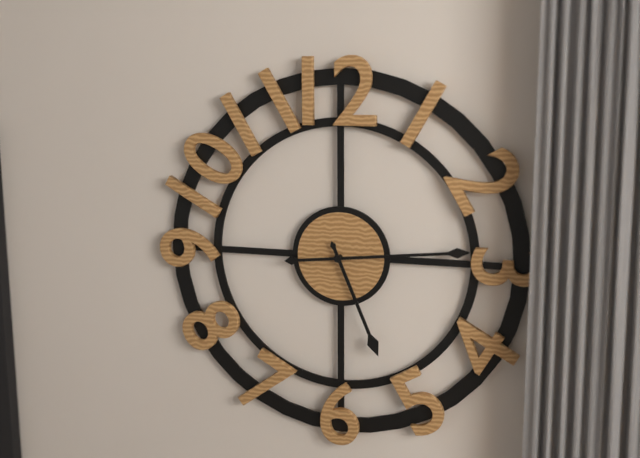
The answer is 5:14
